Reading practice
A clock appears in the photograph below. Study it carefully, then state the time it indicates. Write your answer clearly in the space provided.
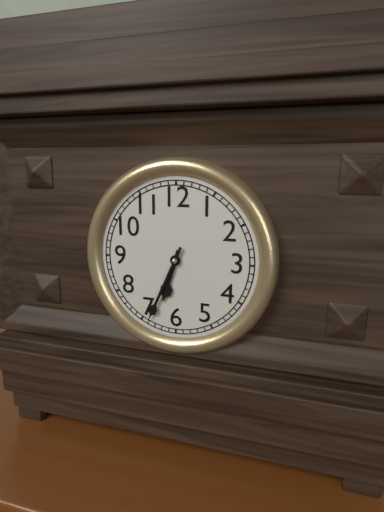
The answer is 6:34
